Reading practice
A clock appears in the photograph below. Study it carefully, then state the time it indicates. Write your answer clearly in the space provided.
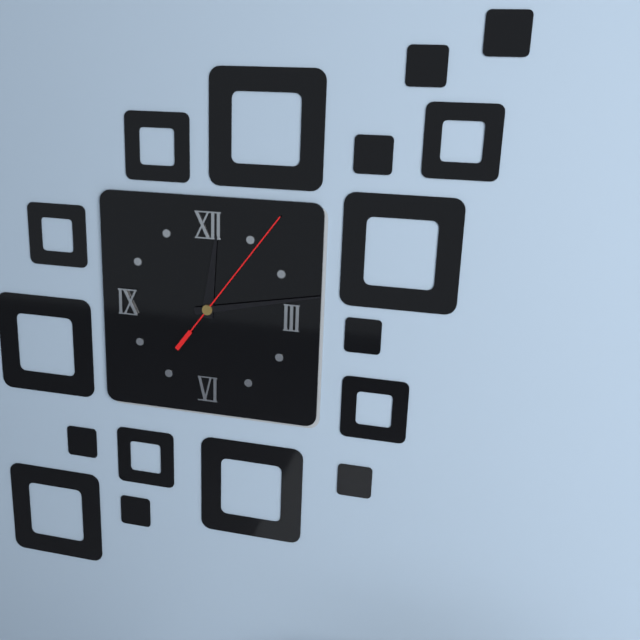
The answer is 12:13:06
